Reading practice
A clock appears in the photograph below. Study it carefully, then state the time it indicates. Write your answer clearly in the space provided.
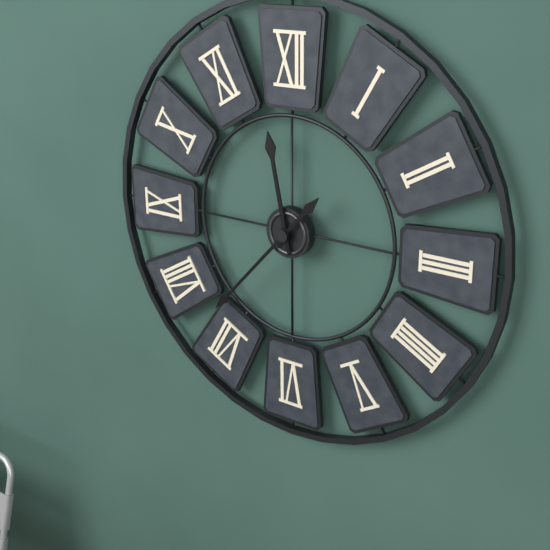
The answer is 11:37
